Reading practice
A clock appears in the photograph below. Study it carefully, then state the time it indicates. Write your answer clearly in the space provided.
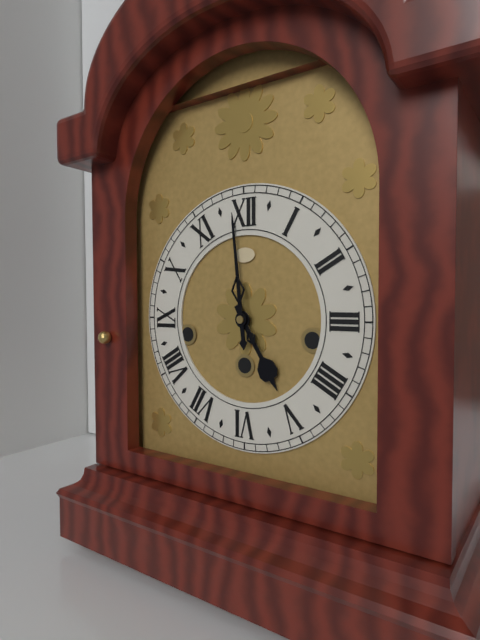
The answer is 4:59
